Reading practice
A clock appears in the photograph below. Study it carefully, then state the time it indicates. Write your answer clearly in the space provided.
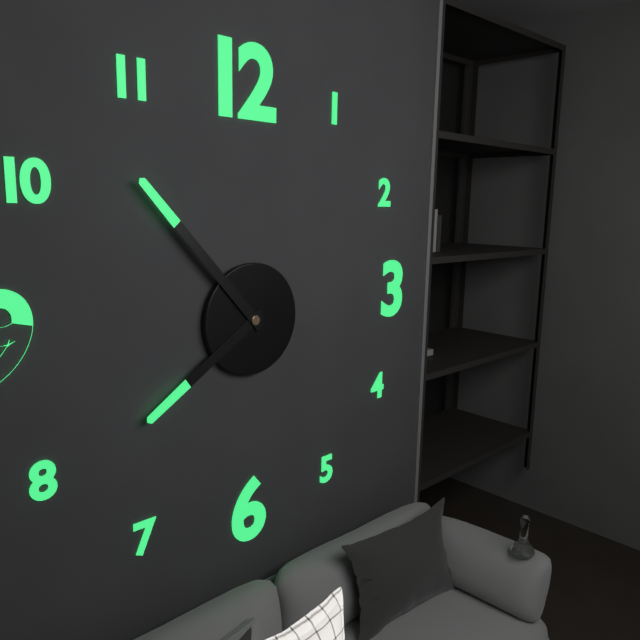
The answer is 7:53
